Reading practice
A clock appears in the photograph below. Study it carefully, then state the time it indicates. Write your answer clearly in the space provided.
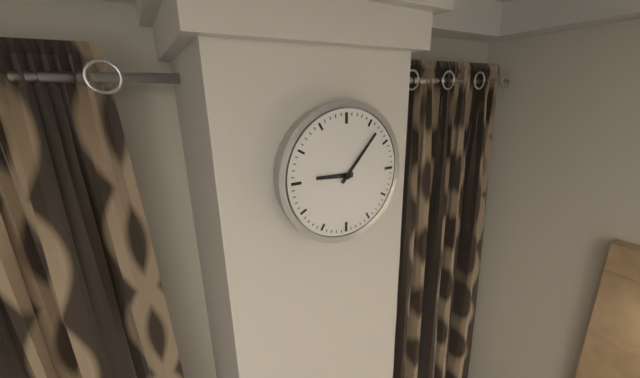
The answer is 9:07
